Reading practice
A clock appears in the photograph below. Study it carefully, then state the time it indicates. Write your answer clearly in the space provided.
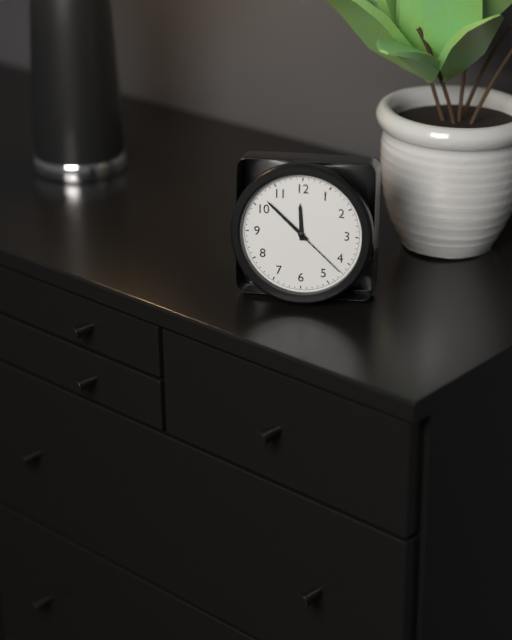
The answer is 11:52:22
